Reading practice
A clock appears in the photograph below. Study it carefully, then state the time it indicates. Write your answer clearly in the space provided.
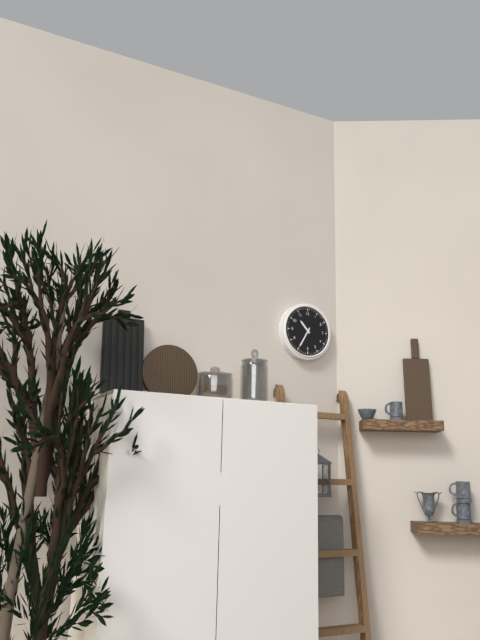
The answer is 10:35
